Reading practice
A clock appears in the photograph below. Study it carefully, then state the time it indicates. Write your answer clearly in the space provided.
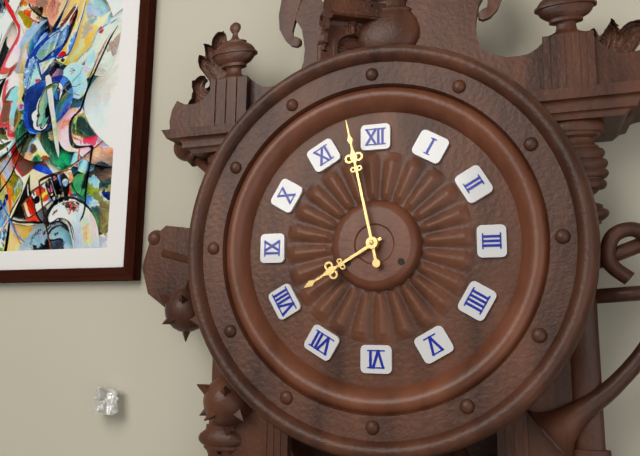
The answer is 7:58
